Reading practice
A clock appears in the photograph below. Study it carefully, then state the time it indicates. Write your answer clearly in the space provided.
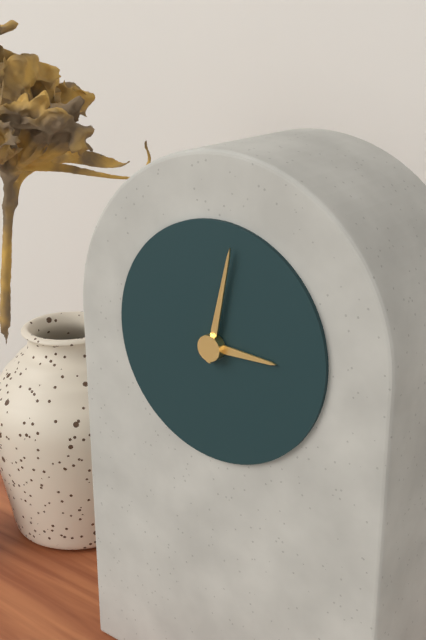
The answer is 3:02
